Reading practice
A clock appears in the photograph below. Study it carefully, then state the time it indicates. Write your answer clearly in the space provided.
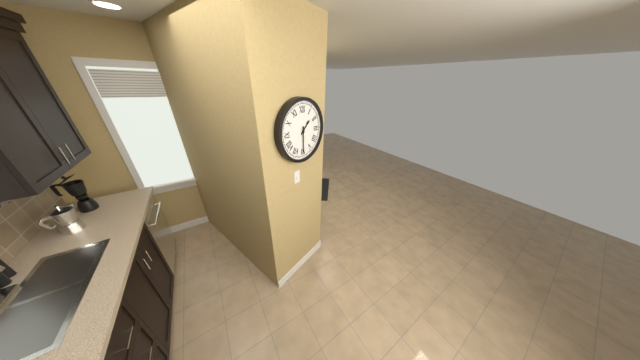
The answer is 1:30
